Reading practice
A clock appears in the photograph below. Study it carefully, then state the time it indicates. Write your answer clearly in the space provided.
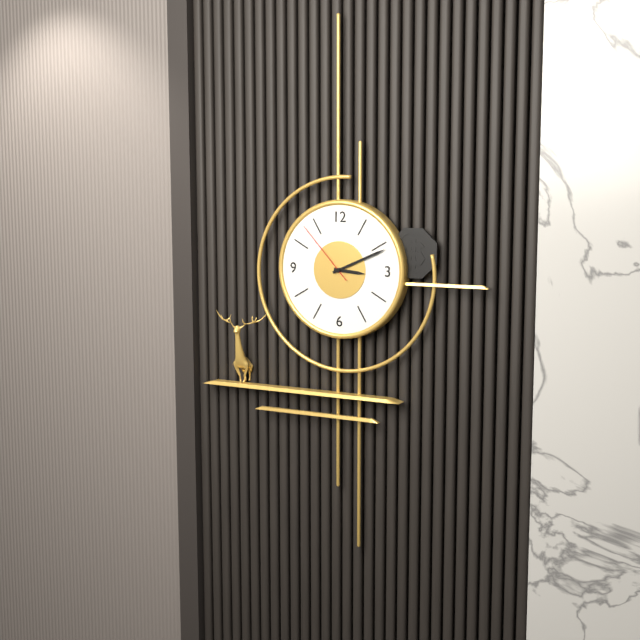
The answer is 3:11:53
